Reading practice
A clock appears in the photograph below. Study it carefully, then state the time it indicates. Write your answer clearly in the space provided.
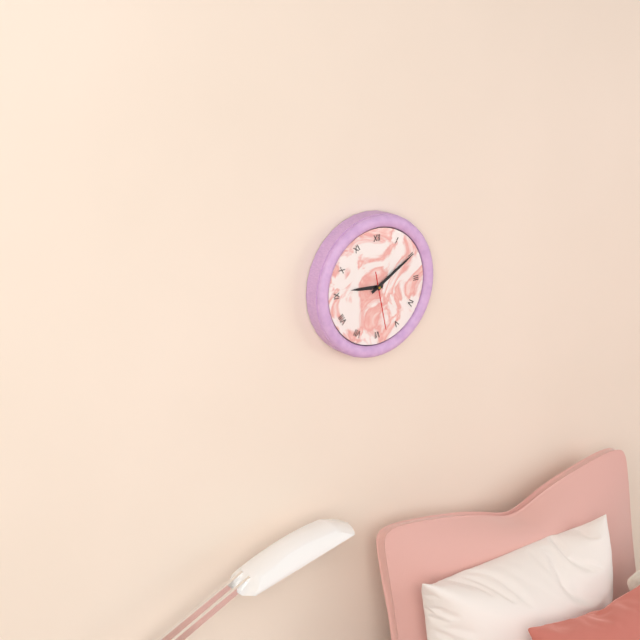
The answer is 9:10:28
